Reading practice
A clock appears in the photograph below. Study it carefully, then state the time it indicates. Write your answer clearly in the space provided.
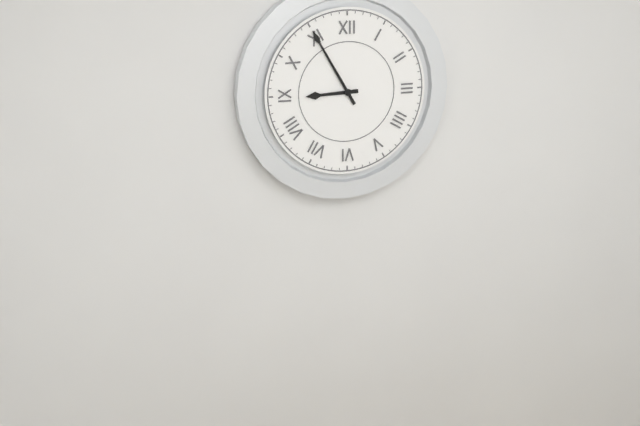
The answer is 8:55
